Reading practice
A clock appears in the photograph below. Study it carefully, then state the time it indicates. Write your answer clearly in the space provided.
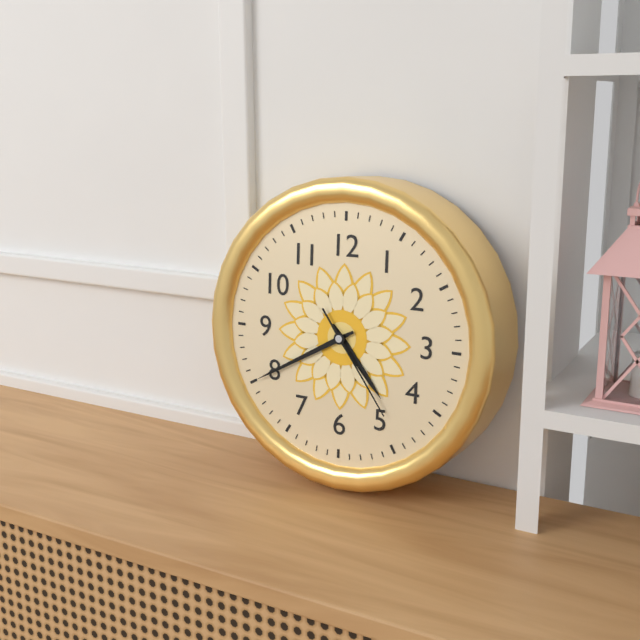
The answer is 4:40:24
